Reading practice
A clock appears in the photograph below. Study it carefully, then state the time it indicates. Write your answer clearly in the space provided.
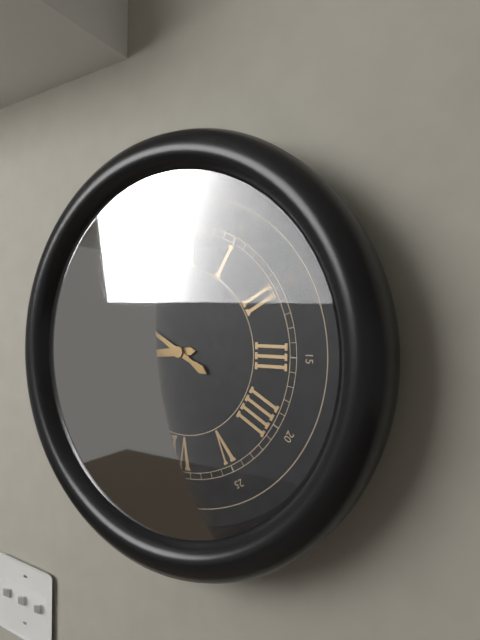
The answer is 8:50
